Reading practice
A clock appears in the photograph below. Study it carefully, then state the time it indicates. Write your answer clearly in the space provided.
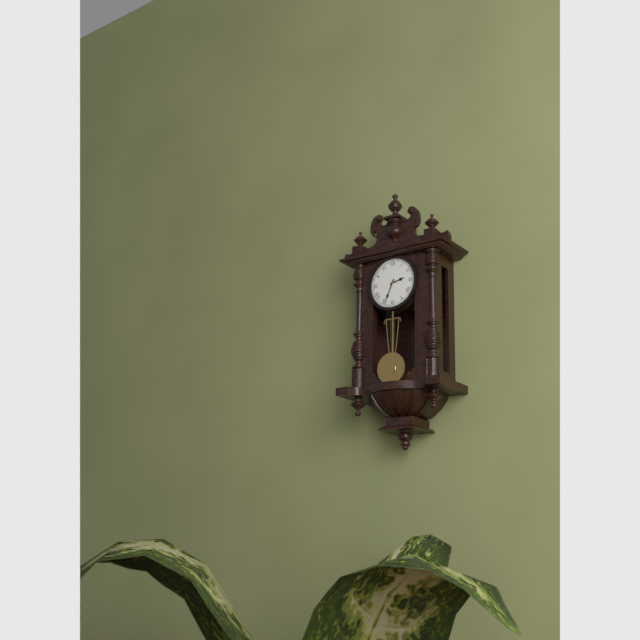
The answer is 2:34
